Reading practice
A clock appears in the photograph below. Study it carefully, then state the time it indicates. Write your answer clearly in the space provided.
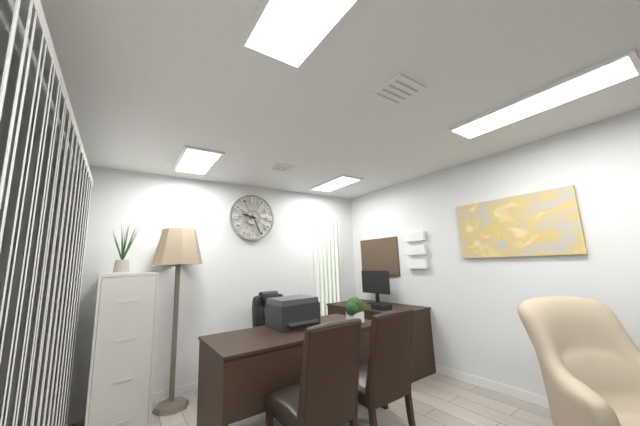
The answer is 9:26
